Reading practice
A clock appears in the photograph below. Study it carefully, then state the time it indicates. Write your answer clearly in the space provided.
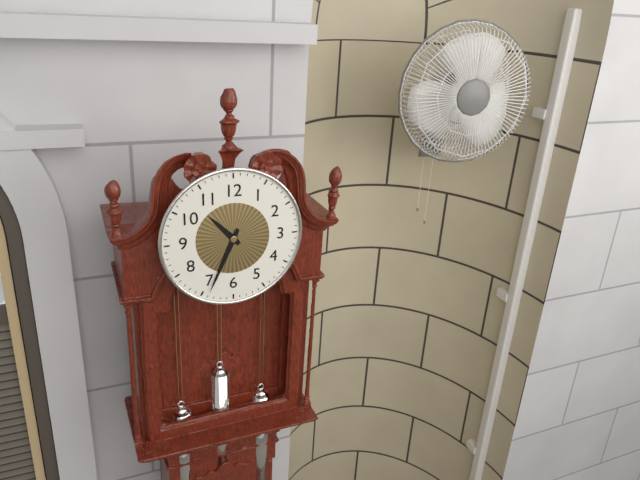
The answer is 10:34
